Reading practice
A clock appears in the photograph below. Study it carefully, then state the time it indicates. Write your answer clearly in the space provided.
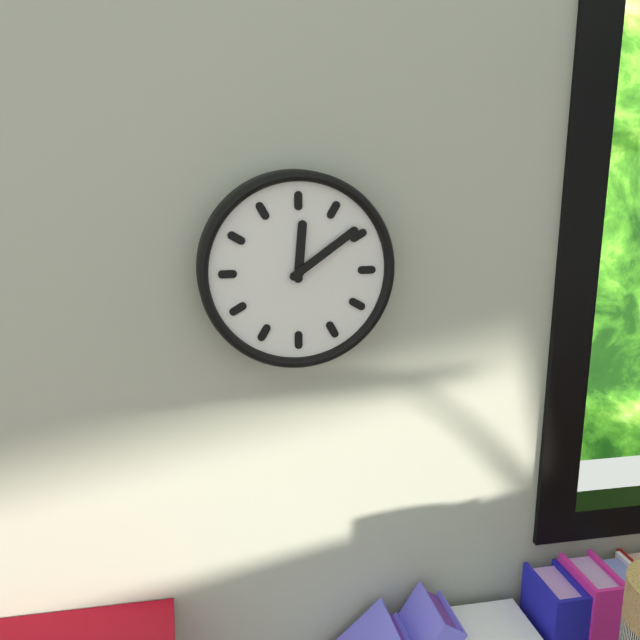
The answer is 12:09
